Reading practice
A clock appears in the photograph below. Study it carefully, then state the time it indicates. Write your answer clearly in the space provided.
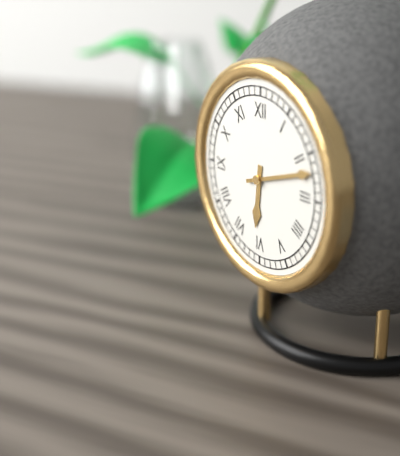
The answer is 6:12
